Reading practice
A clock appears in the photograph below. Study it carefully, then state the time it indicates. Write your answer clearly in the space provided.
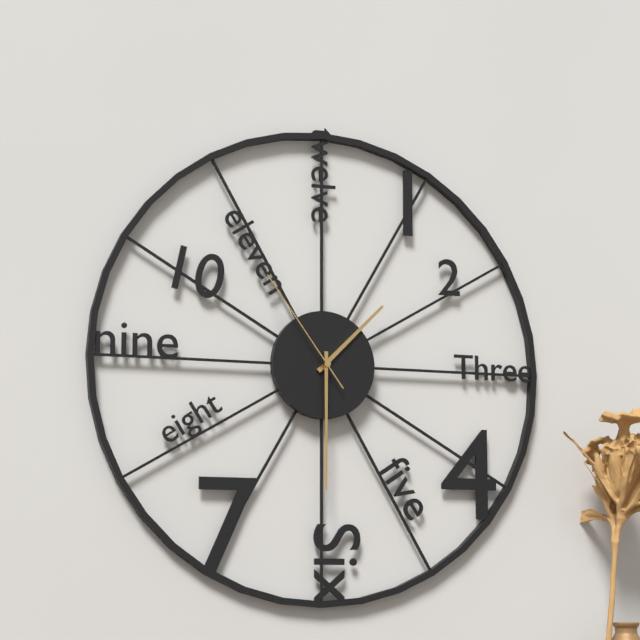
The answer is 1:30:54
